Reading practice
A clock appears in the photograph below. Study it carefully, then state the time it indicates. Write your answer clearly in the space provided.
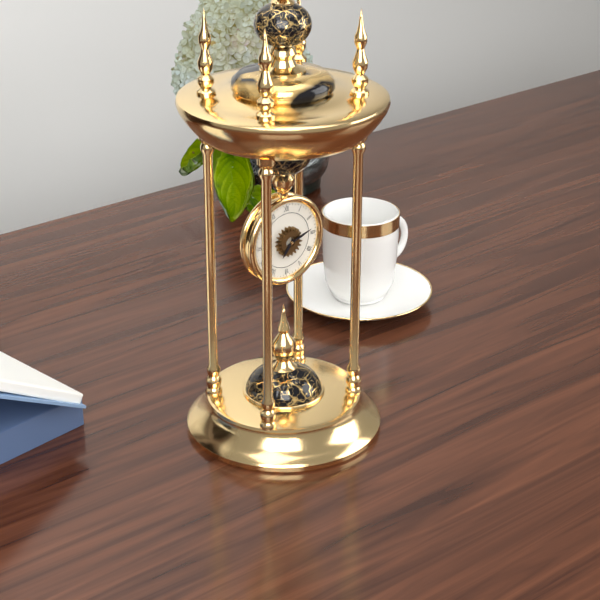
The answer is 7:12
